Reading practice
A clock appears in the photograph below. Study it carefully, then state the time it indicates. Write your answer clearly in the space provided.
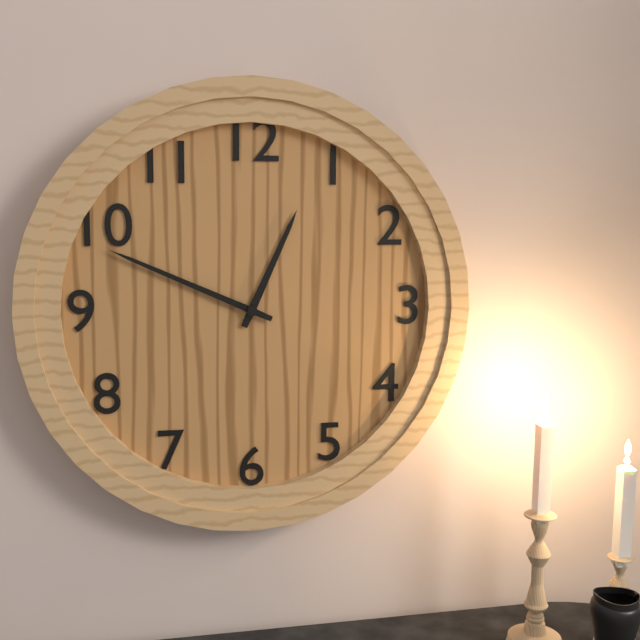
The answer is 12:49
